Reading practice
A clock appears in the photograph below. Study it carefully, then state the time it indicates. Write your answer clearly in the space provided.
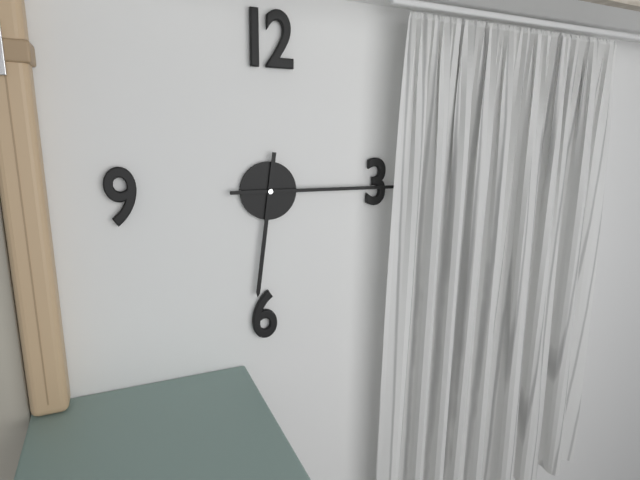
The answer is 6:15
